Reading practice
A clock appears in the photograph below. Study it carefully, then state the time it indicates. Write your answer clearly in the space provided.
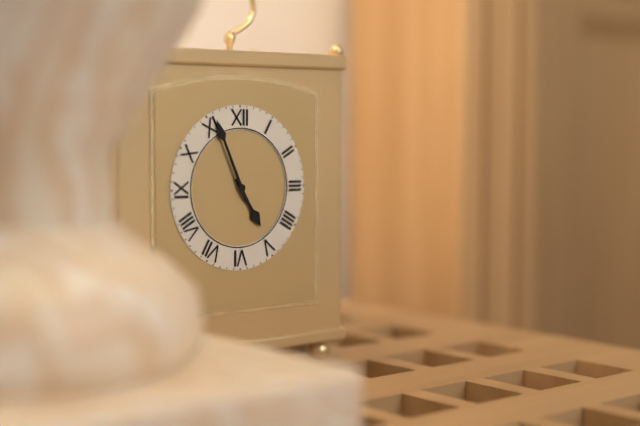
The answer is 4:56
